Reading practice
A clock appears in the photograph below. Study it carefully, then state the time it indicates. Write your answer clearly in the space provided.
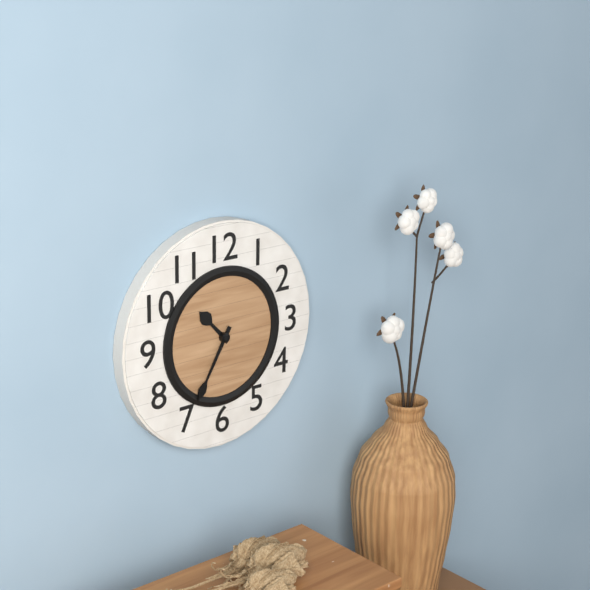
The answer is 10:35
